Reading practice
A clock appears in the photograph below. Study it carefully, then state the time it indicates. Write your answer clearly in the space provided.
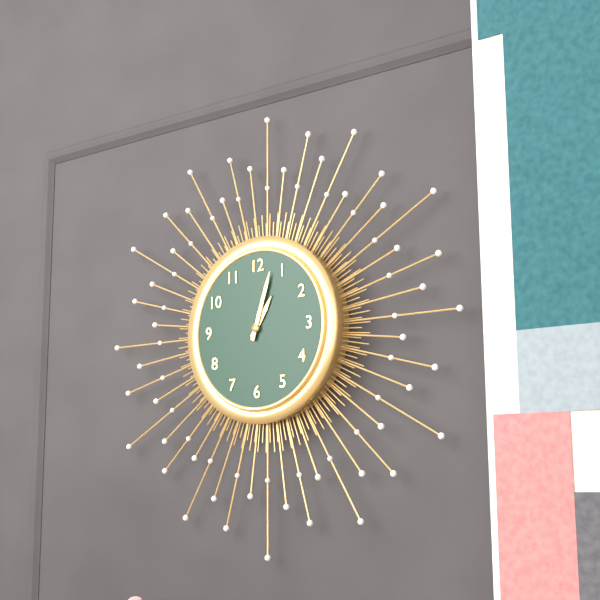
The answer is 1:03
